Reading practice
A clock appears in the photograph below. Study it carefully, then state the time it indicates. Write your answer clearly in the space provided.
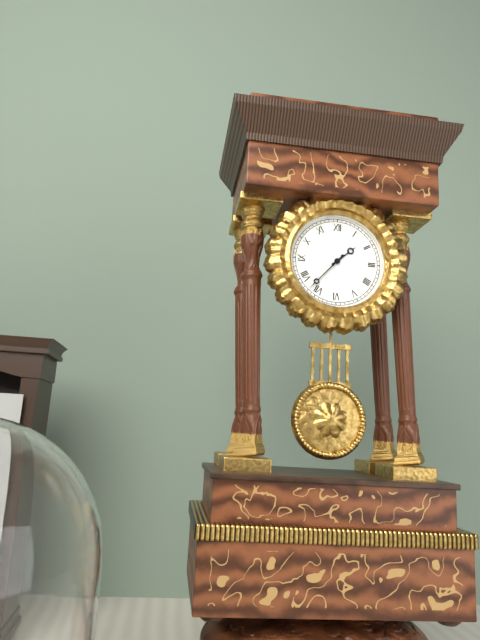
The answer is 1:37
